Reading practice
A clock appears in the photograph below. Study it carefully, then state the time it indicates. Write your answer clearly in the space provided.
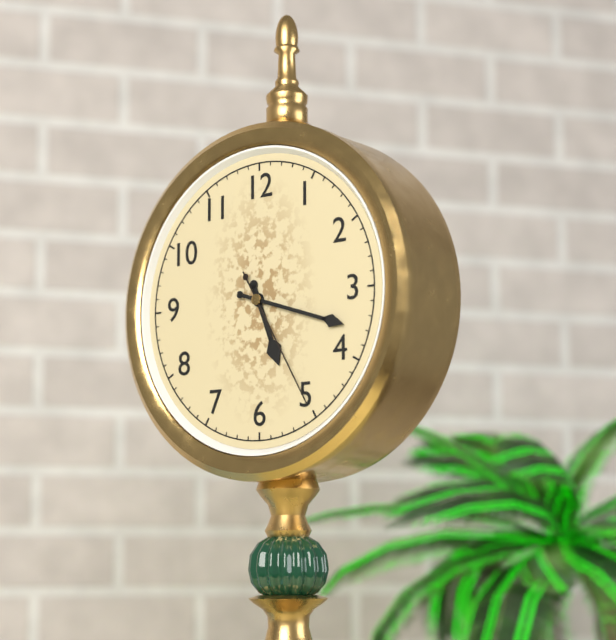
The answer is 5:18:25
